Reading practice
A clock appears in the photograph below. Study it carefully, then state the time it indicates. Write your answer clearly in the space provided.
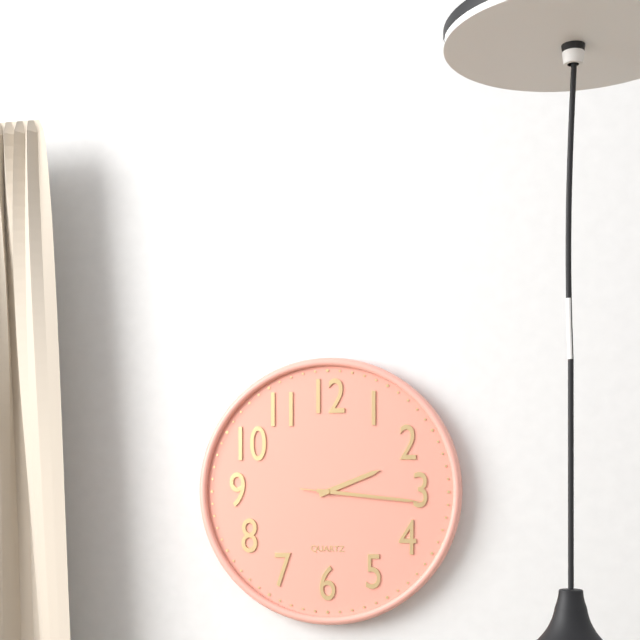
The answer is 2:16:16
